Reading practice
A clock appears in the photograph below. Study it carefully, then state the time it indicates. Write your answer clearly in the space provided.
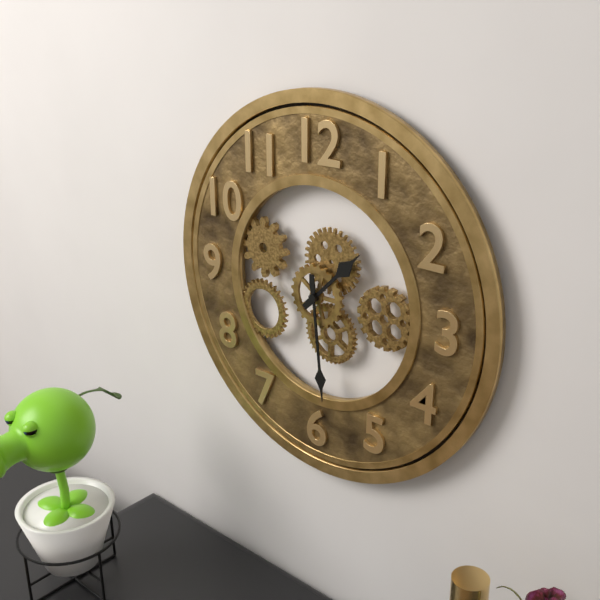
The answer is 1:29
